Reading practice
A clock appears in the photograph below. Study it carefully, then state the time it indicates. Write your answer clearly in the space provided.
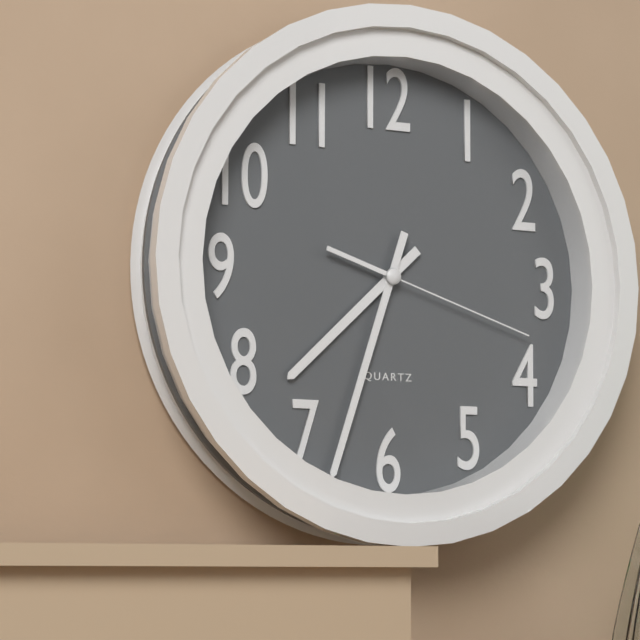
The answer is 7:33:18
